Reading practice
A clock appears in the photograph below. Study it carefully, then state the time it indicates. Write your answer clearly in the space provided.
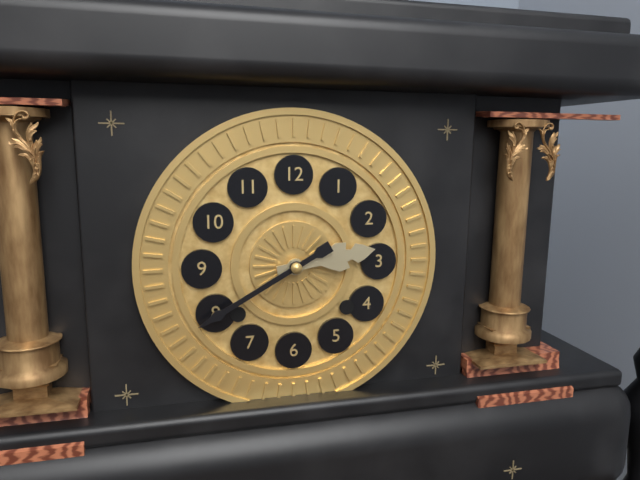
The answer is 2:40
